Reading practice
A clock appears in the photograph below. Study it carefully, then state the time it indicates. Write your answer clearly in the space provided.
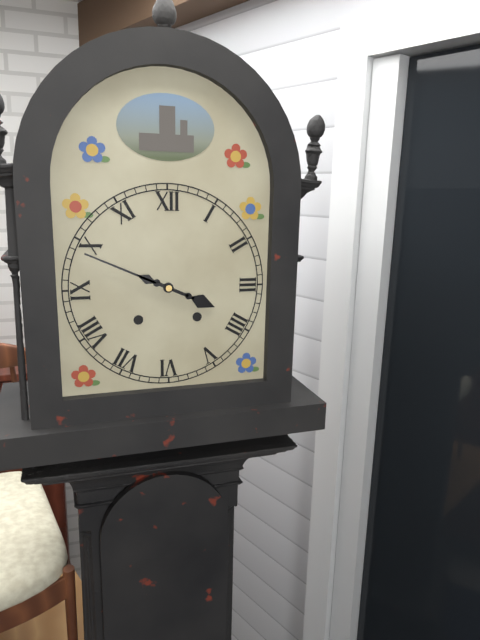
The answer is 3:49
